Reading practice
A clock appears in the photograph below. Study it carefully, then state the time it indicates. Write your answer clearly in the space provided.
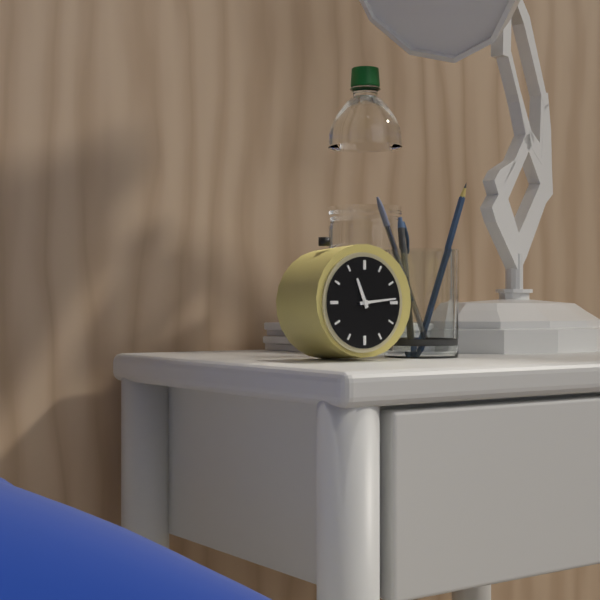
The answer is 11:14
